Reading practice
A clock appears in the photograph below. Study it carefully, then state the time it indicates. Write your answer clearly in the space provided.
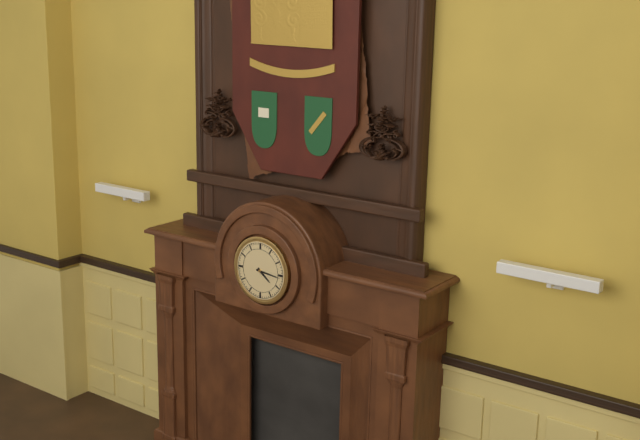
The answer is 4:16
